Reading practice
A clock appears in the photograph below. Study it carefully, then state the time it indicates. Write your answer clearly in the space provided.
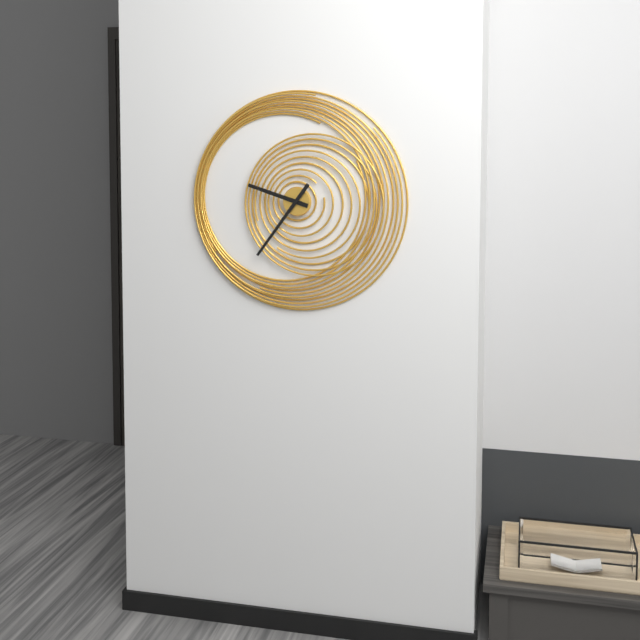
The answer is 9:36
